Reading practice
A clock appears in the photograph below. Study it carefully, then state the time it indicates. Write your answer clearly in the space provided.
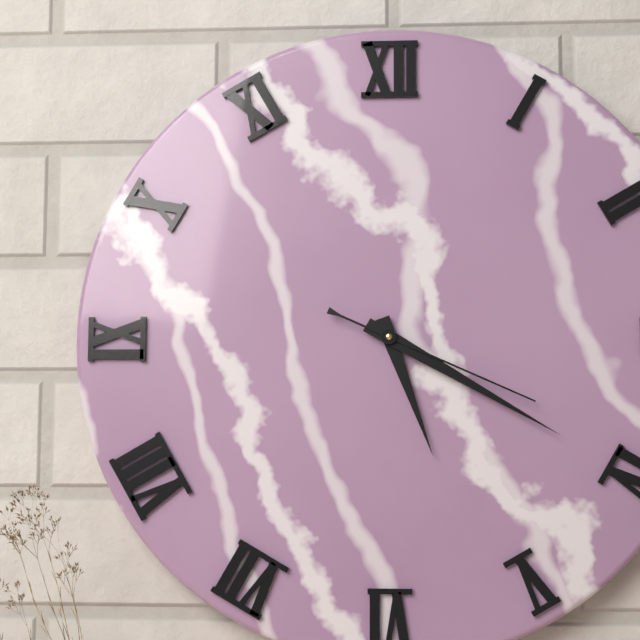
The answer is 5:20:19
